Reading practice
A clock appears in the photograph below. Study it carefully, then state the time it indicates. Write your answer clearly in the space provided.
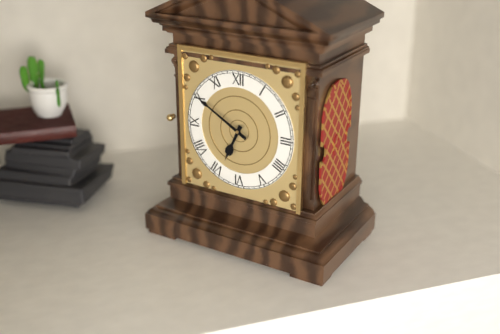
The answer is 6:50
